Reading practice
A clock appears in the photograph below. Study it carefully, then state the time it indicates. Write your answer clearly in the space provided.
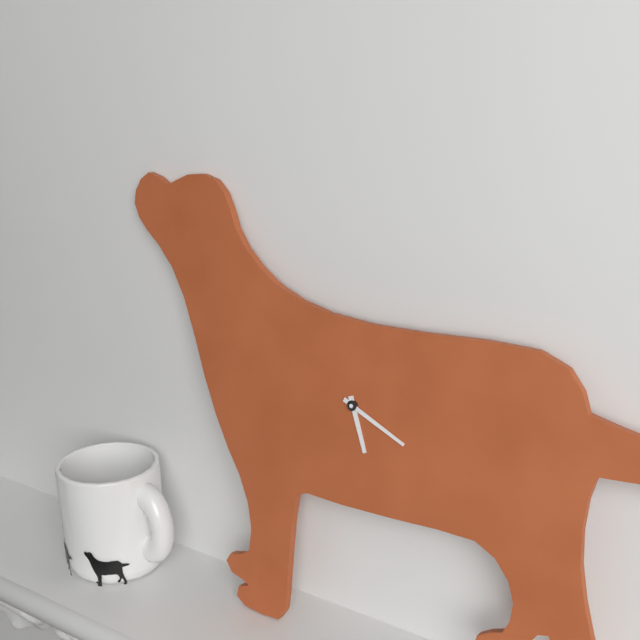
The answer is 5:19
